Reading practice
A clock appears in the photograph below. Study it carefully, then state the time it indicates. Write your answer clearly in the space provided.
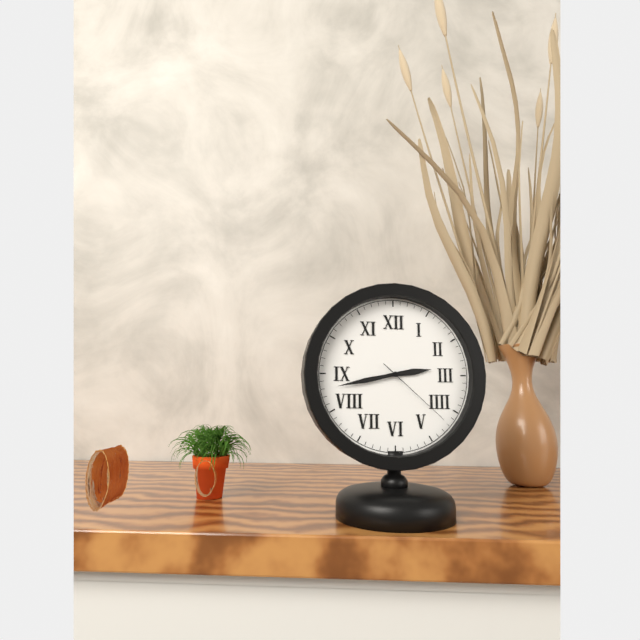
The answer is 2:43:22
